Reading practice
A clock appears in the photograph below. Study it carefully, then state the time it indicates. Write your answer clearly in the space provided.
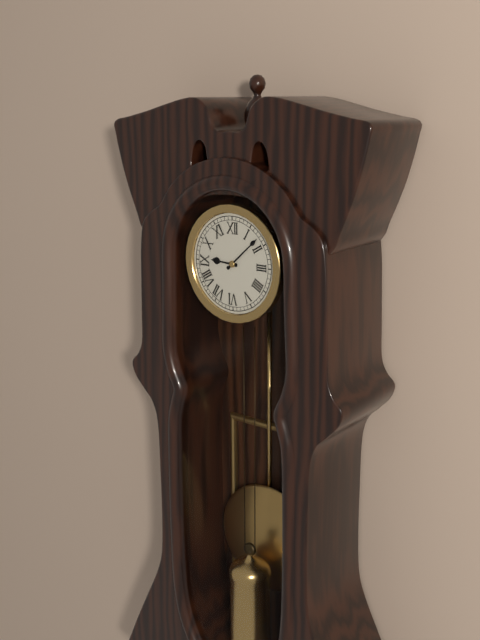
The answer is 9:08
